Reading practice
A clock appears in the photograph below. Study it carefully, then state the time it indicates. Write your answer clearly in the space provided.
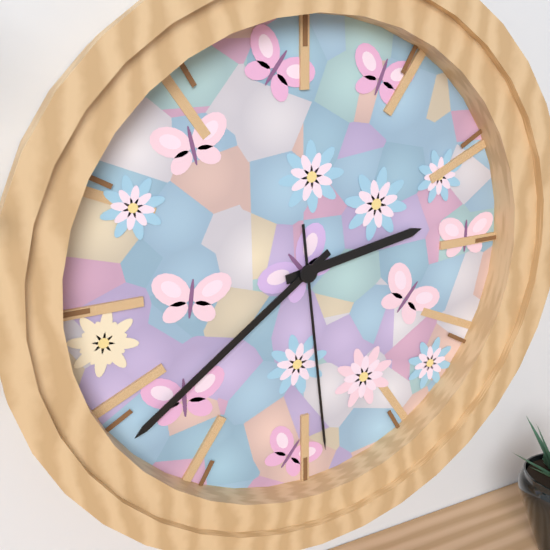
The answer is 2:39:29
